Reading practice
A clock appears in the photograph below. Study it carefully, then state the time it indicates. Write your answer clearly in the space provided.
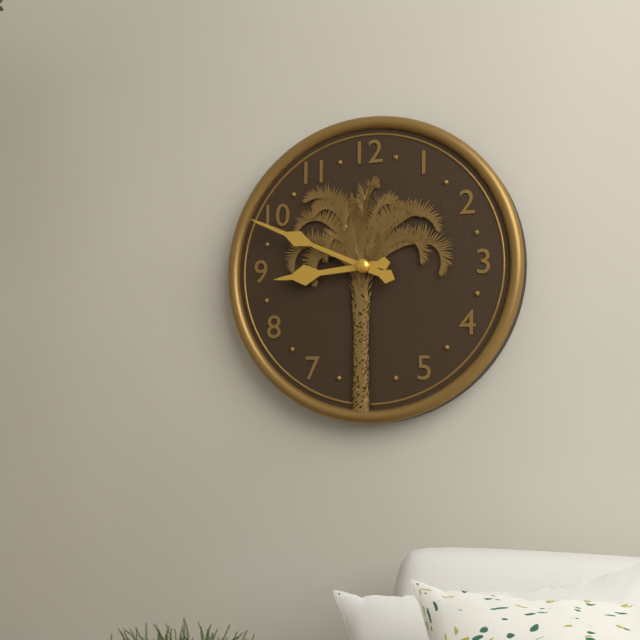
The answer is 8:49
